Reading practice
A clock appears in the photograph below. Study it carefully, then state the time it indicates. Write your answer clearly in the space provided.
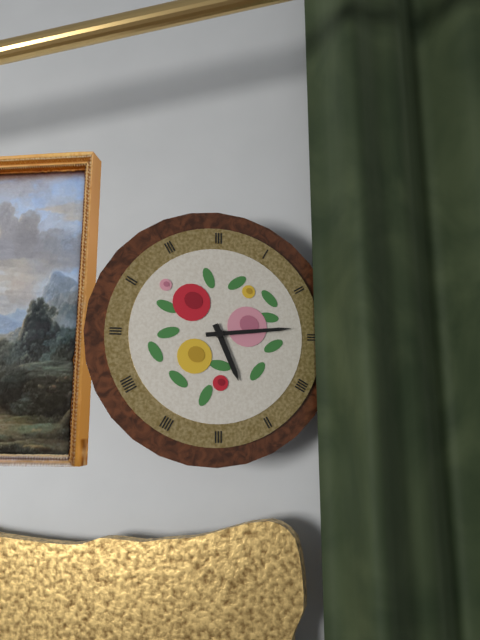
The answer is 5:14
